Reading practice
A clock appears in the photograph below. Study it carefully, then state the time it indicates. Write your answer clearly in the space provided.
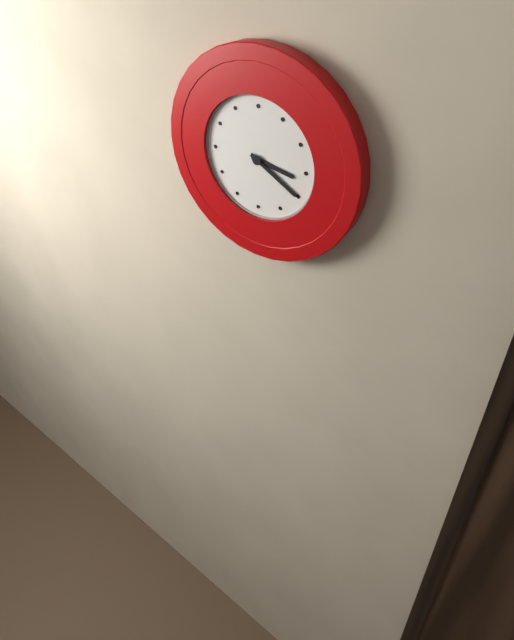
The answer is 3:20
